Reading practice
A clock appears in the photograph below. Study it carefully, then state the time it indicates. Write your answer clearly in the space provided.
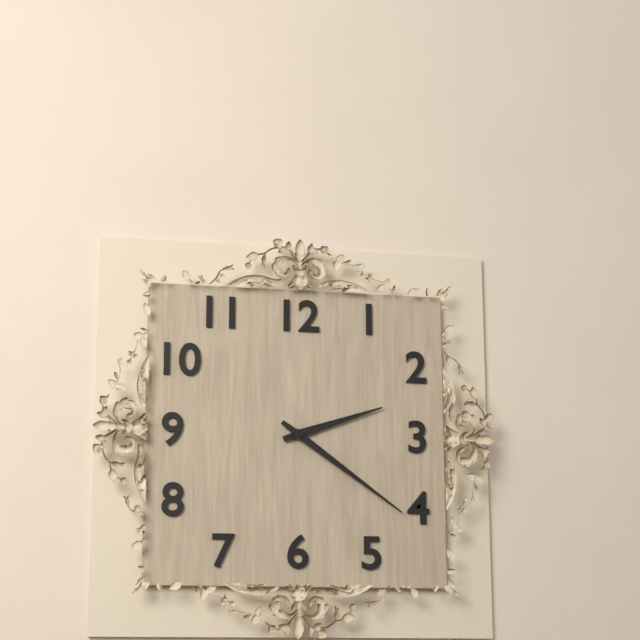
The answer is 2:21
